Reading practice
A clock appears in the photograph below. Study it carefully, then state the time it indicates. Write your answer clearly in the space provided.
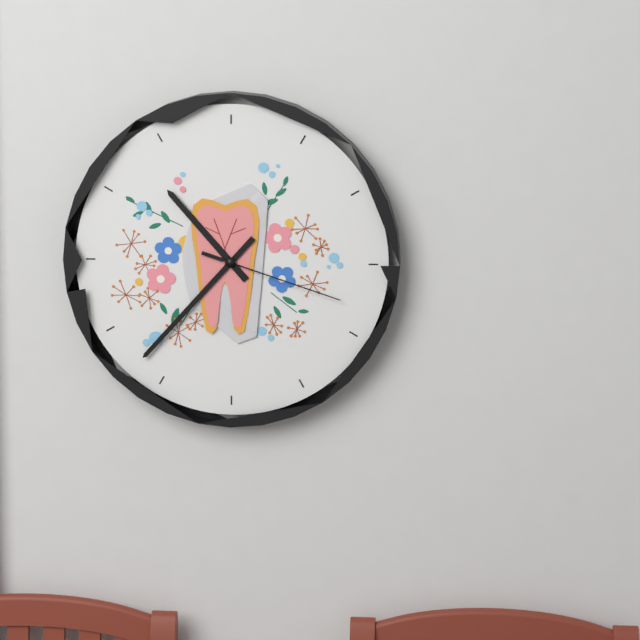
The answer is 10:37:18
